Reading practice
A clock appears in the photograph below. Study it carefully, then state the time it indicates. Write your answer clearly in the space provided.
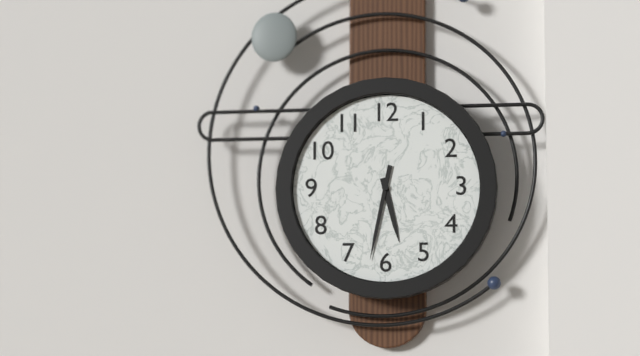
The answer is 5:32
